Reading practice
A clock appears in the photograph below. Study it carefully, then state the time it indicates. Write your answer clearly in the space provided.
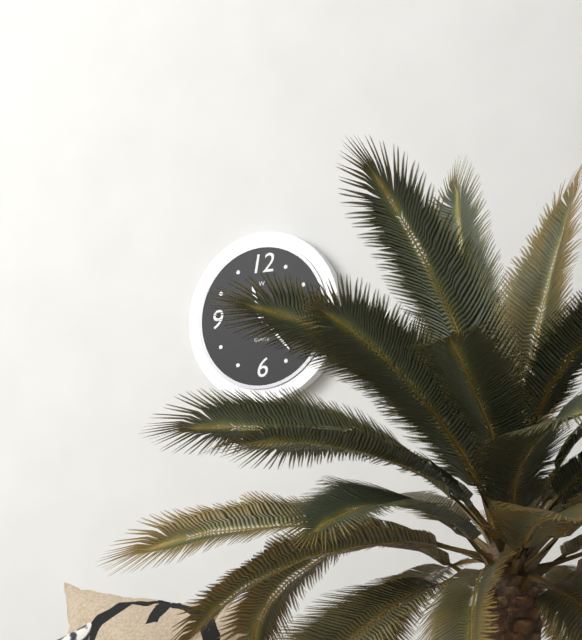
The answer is 11:23
